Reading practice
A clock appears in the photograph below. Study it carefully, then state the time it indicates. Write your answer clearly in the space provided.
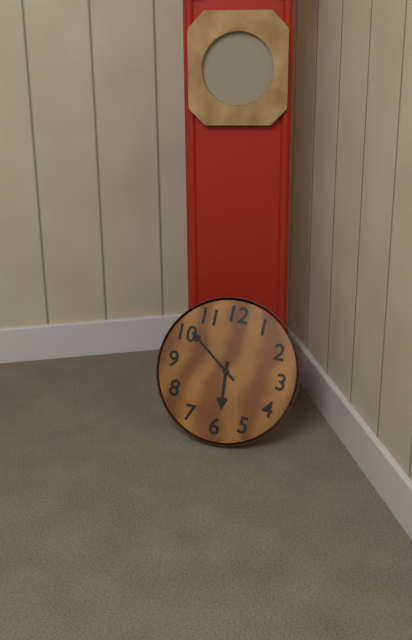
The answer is 5:51
